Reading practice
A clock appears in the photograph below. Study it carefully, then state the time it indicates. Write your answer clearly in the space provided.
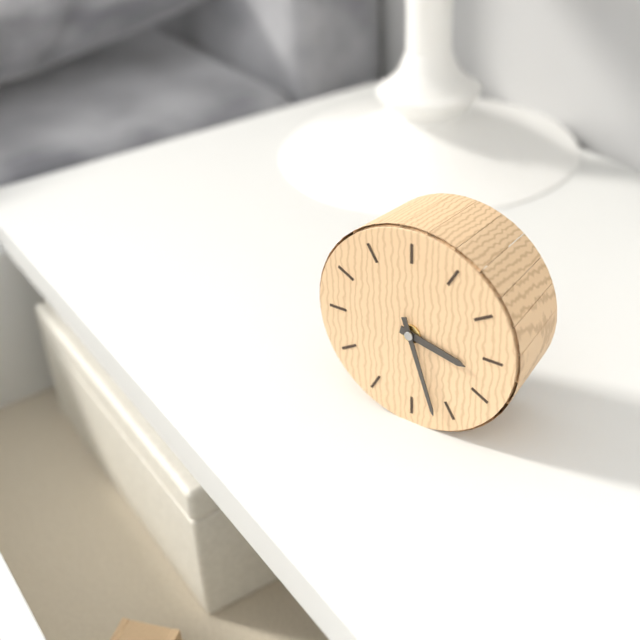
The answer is 3:27
